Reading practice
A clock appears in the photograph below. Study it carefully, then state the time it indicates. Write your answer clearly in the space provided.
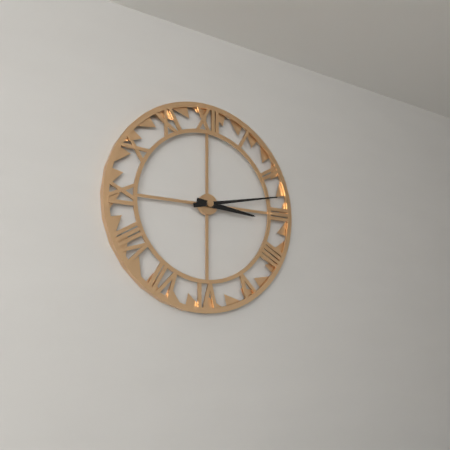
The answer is 3:13
